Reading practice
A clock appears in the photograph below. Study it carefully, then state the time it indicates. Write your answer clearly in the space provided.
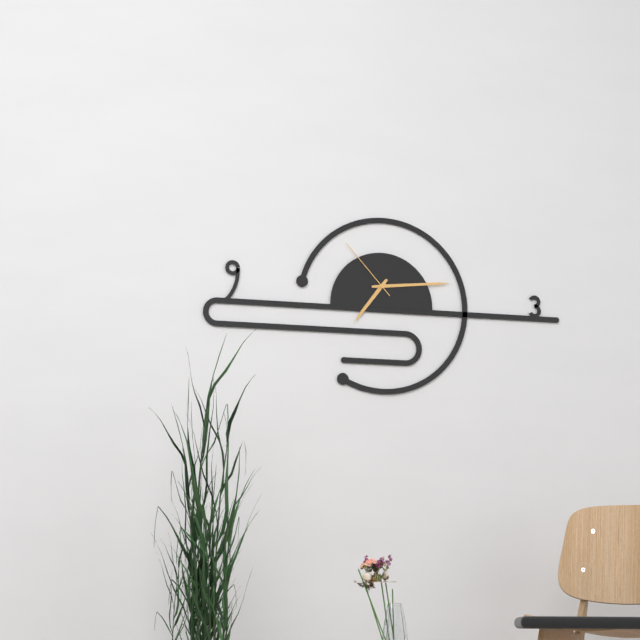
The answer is 7:14:53
